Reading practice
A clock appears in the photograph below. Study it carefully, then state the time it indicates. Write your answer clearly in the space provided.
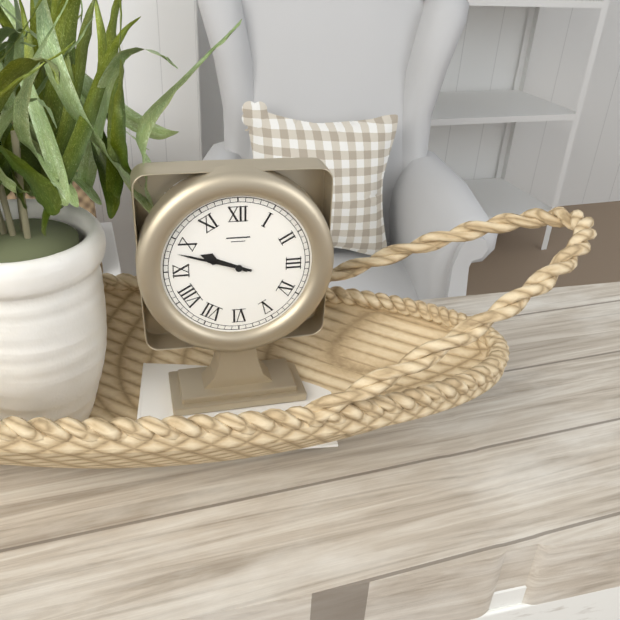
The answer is 9:48
